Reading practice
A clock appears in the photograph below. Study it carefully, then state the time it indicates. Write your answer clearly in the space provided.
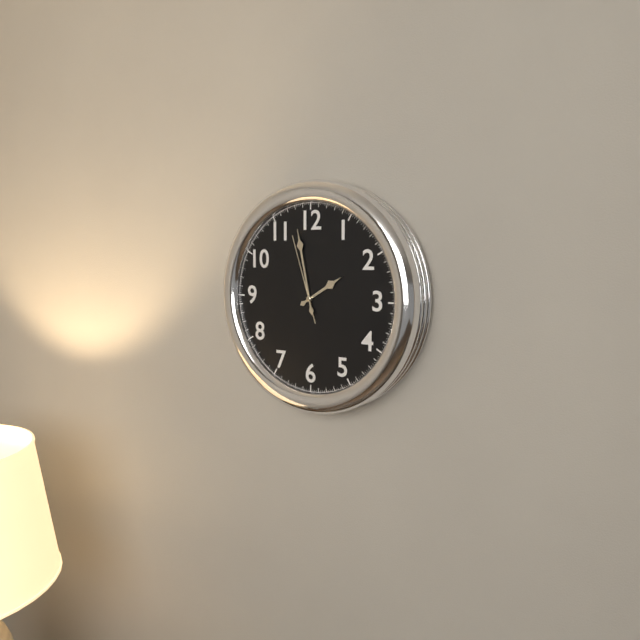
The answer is 1:58:57
